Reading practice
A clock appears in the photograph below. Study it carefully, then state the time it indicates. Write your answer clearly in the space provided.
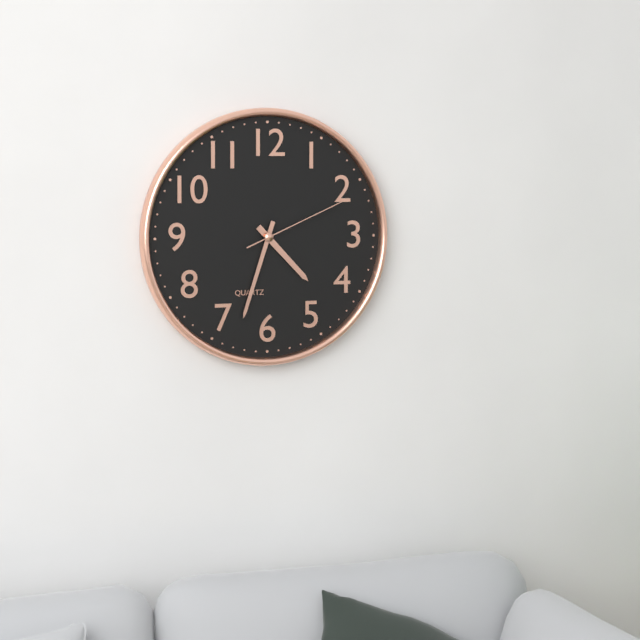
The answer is 4:33:11
